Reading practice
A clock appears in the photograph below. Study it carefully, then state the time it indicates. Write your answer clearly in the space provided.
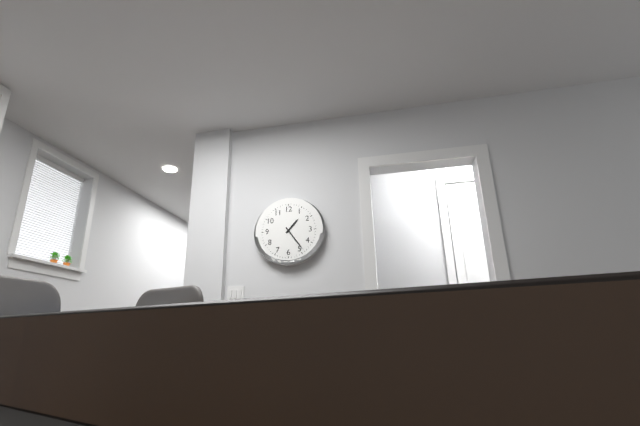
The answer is 1:24
